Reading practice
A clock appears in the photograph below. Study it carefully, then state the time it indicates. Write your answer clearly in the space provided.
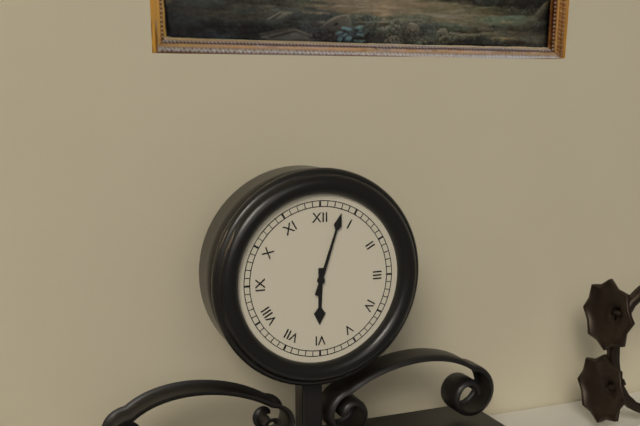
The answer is 6:03
